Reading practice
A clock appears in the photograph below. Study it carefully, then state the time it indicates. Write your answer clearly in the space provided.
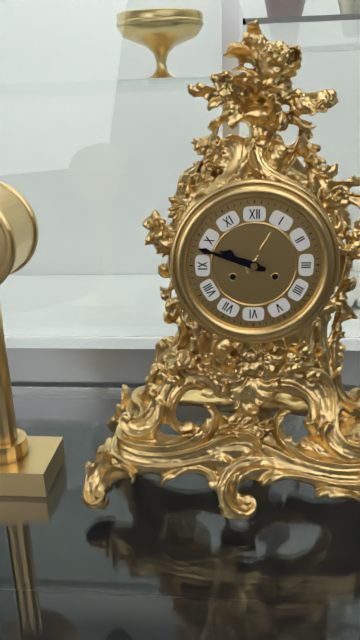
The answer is 9:48
